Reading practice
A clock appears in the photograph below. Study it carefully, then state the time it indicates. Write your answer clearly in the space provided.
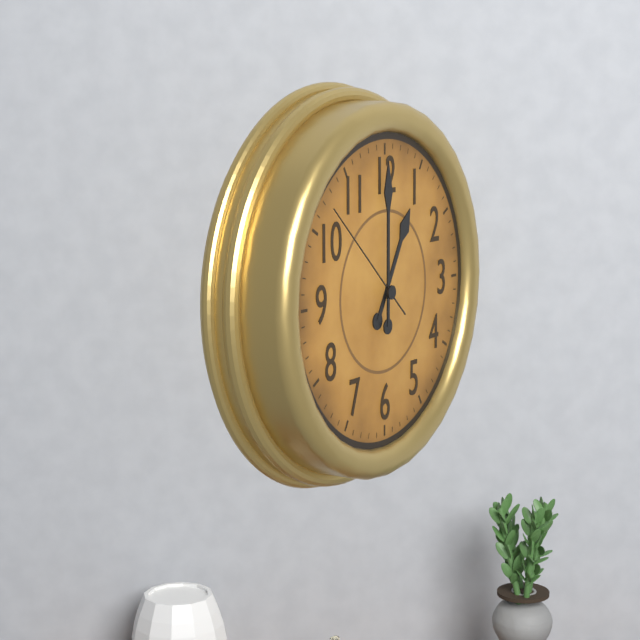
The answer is 1:00:52
